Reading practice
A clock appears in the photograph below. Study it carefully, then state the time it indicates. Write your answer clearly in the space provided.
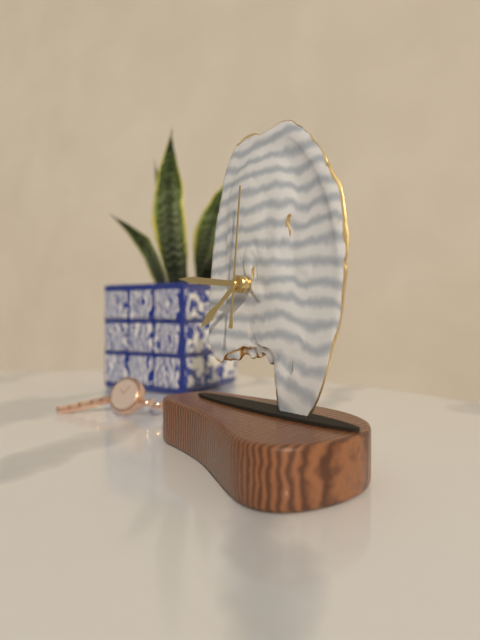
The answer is 7:46:01
